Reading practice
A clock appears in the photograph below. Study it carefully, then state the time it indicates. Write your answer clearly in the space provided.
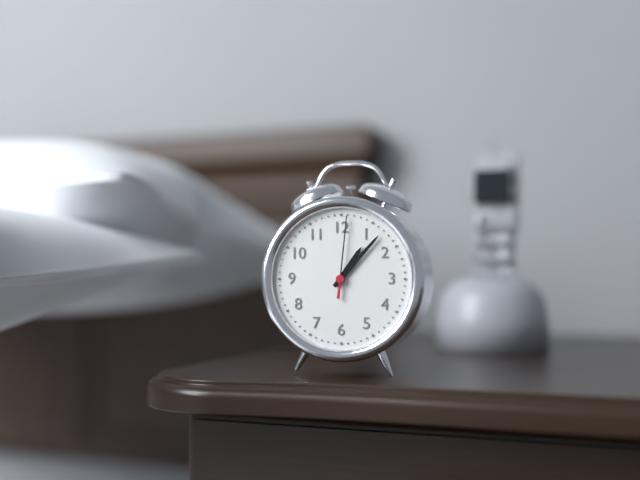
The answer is 1:07:01
